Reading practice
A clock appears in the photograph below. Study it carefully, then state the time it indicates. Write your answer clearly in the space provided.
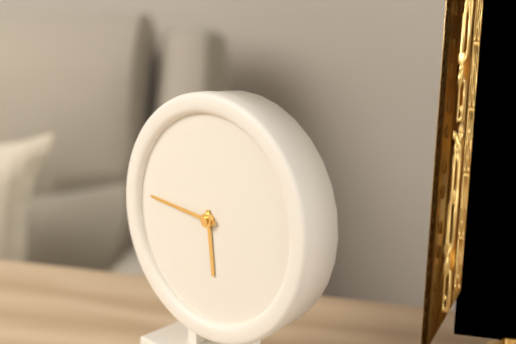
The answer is 5:46
